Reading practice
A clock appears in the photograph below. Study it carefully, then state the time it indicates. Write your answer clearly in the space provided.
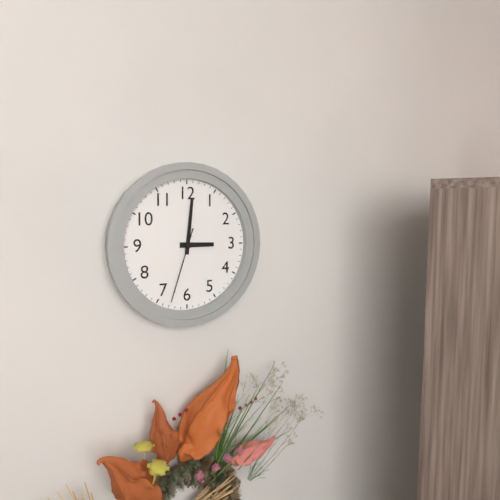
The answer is 3:01:33
